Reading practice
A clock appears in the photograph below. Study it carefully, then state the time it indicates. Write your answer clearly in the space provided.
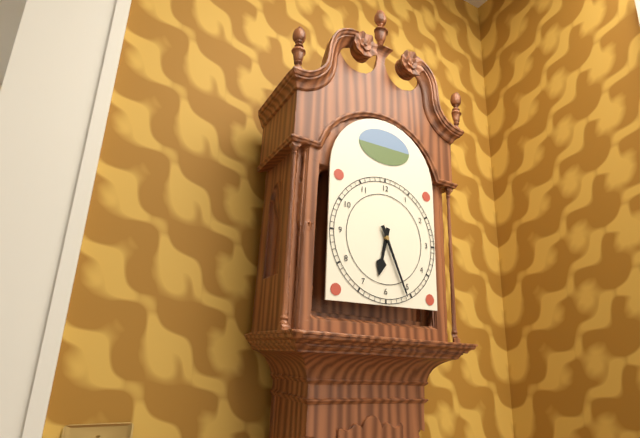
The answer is 6:26
